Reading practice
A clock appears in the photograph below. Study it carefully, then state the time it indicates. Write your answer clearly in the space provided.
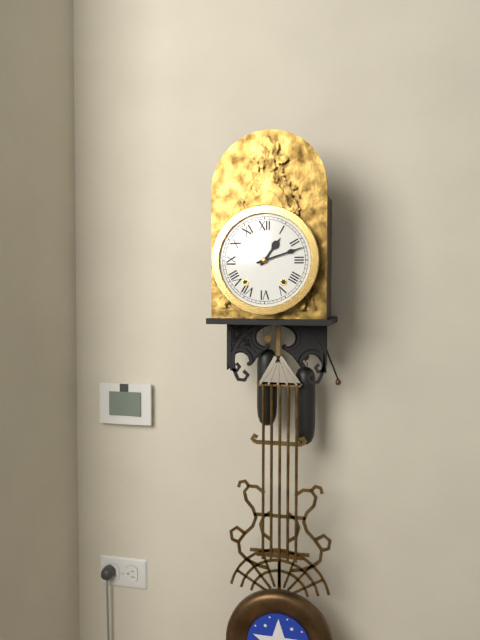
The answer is 1:12
